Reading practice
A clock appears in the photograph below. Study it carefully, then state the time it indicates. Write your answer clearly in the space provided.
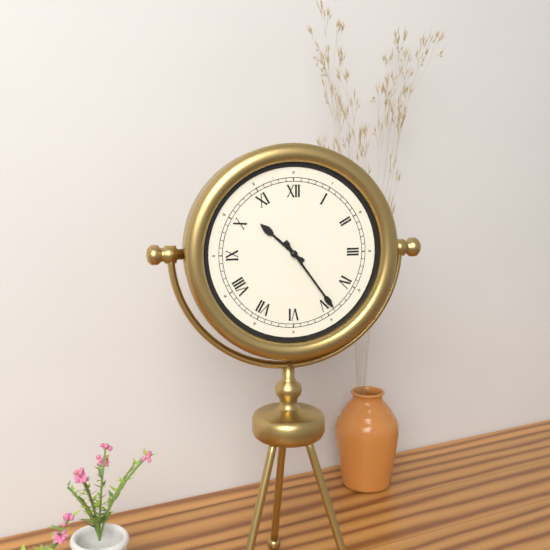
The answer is 10:24
